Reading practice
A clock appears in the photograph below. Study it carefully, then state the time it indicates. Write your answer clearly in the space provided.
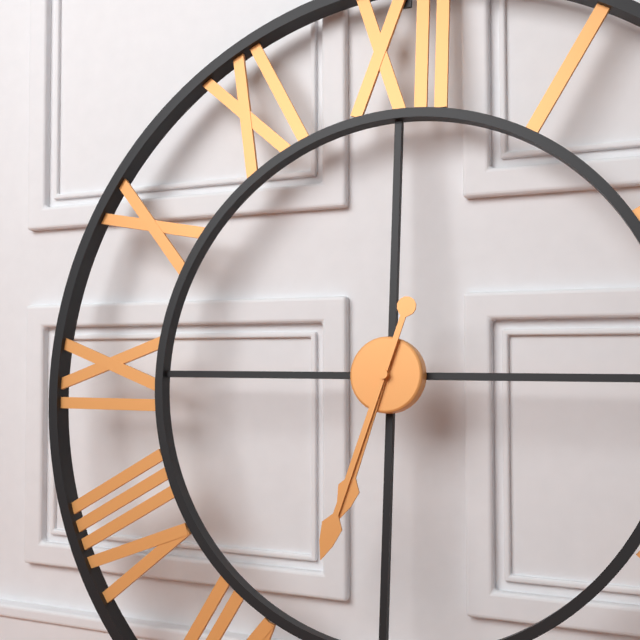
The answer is 6:33
